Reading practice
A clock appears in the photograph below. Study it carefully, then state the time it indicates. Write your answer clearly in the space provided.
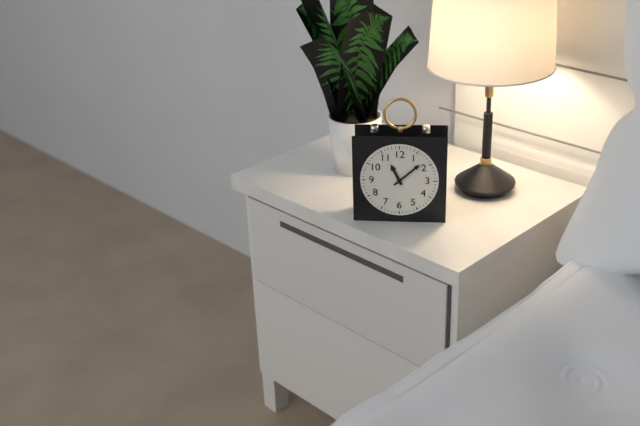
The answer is 11:08
